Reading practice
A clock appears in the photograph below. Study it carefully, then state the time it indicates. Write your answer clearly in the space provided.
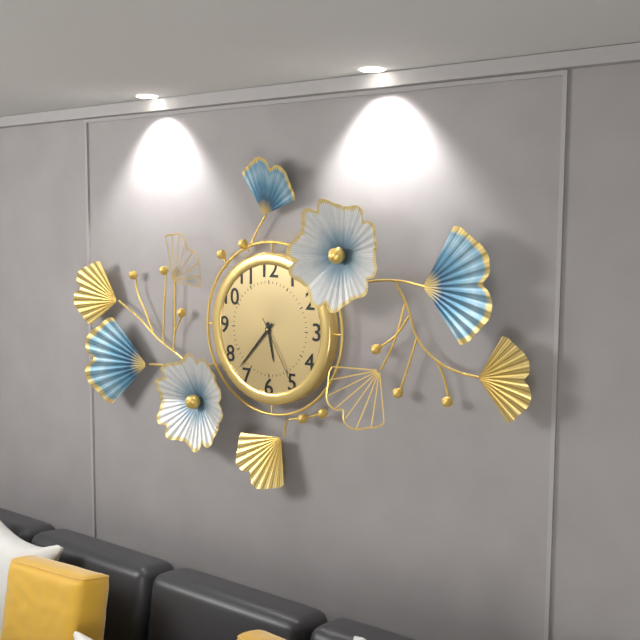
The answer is 5:37:25
